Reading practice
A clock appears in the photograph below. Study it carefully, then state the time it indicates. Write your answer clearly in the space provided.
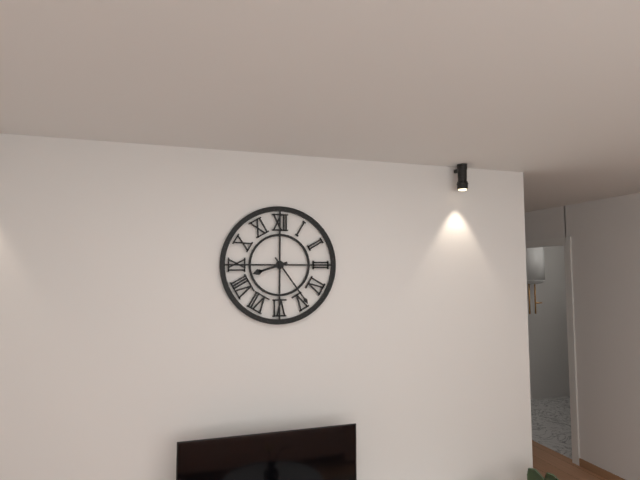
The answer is 8:24
